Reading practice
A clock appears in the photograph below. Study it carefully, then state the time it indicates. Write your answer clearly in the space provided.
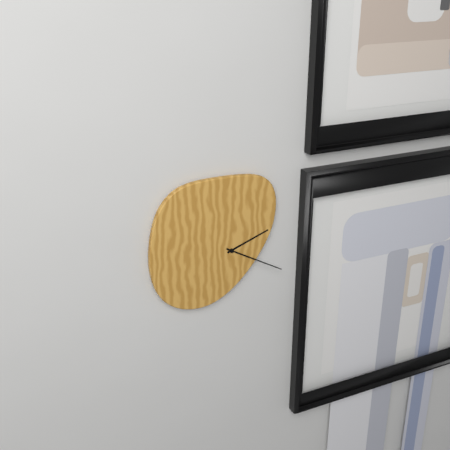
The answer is 2:20
